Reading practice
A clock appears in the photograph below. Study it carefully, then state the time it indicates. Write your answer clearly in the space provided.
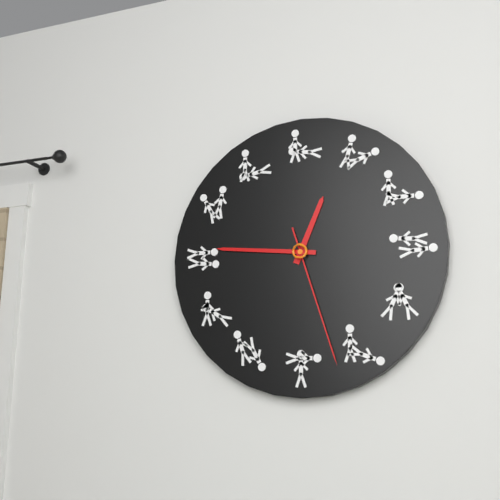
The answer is 12:46:27
